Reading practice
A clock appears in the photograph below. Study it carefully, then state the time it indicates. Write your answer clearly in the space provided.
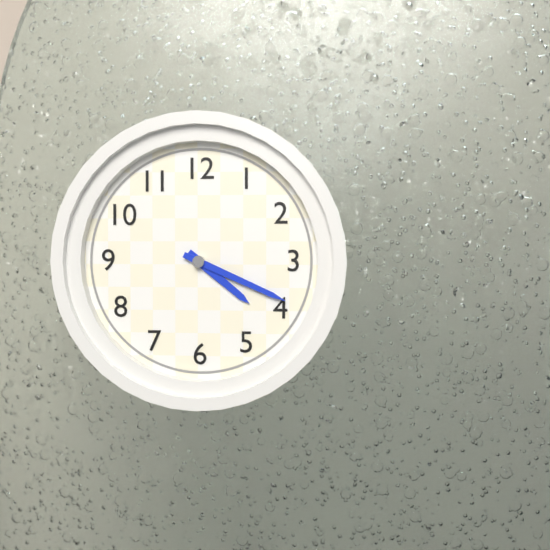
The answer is 4:19
